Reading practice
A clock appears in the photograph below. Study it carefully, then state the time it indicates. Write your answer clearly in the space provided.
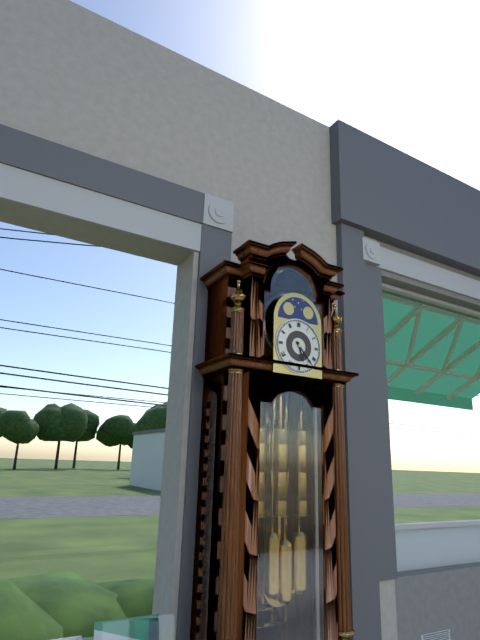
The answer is 5:23
